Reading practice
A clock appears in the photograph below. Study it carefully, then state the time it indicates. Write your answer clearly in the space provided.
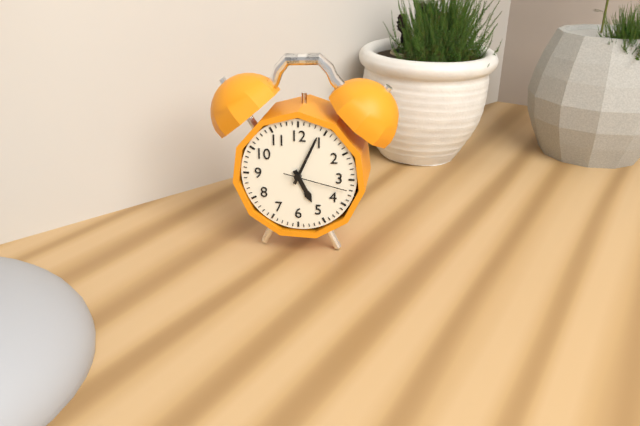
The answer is 5:04:17
